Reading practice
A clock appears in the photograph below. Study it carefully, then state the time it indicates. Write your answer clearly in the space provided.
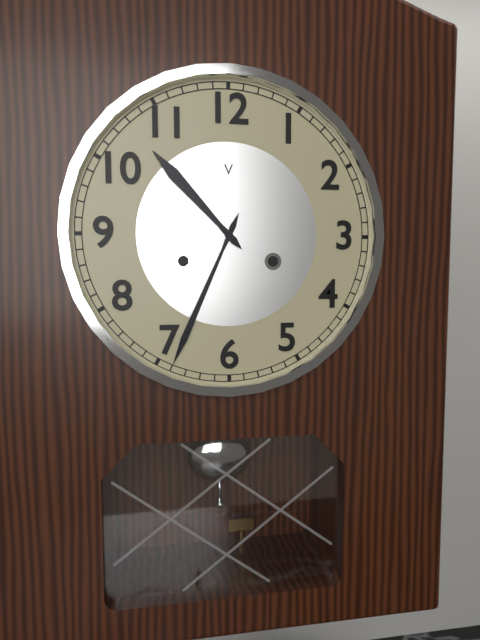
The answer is 10:34
